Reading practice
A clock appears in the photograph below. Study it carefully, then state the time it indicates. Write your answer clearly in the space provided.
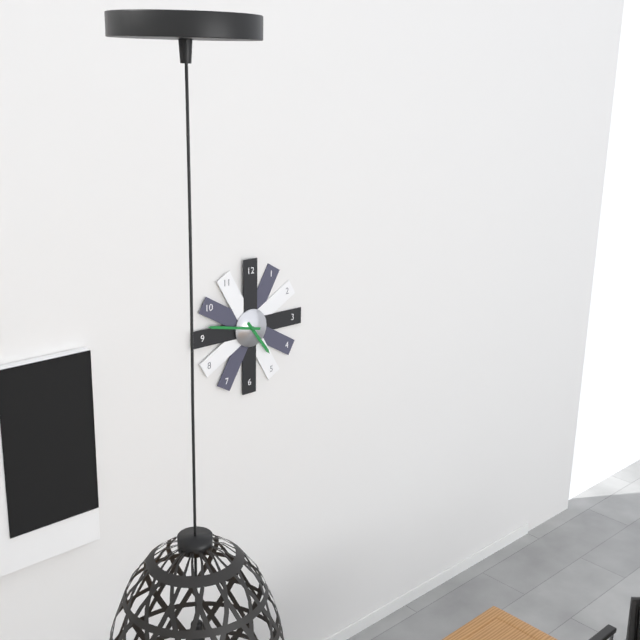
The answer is 4:47
